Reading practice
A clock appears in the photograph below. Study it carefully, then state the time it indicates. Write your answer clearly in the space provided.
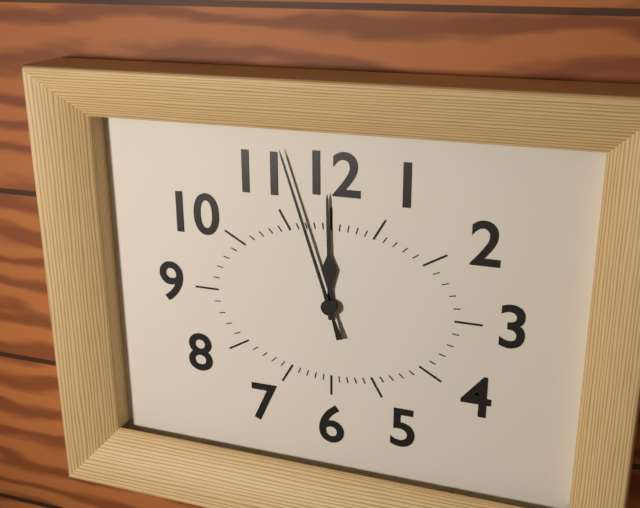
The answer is 11:57
